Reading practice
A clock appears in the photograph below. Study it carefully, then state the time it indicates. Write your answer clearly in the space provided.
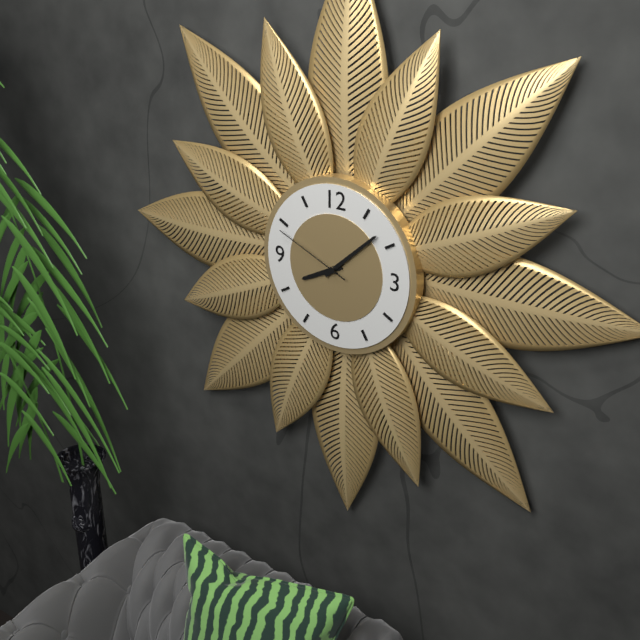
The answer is 8:08:49
